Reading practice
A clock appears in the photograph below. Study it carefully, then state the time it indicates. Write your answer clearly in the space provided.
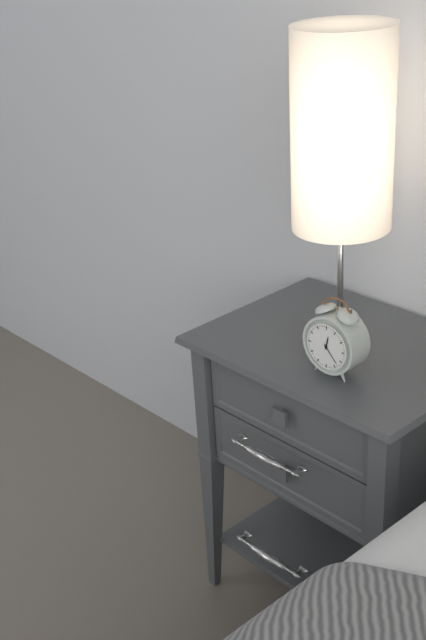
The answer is 12:23
